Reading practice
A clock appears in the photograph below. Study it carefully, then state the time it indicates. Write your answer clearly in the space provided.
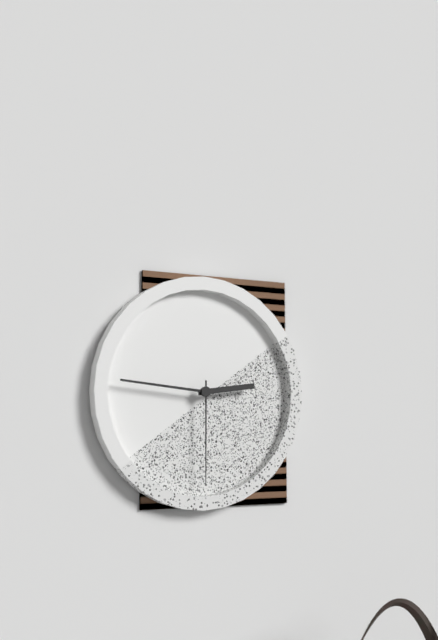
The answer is 2:46:30
